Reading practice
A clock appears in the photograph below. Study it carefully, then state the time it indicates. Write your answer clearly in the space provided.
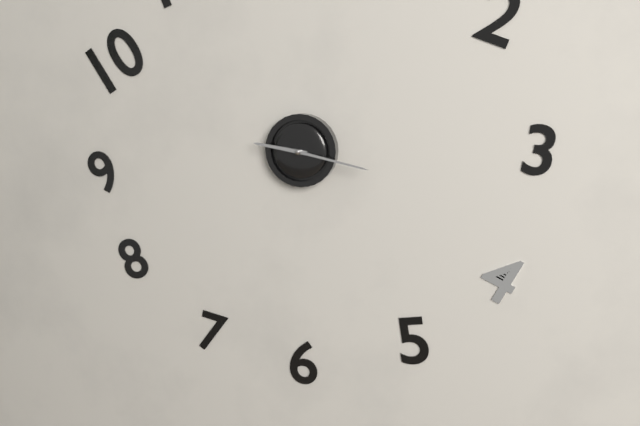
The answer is 9:17
